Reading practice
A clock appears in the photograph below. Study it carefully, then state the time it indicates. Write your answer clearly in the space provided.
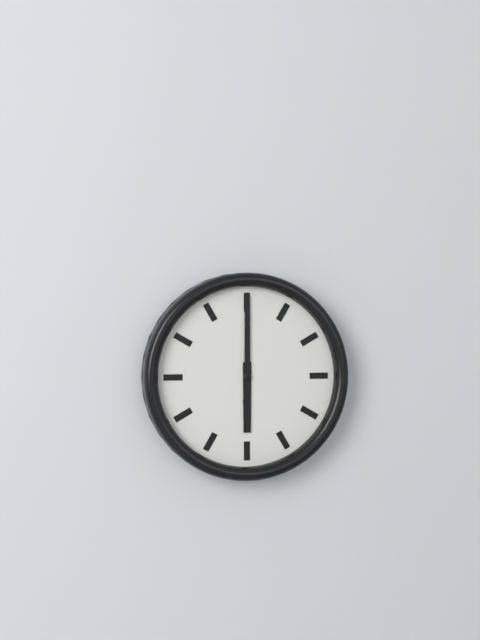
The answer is 6:00
